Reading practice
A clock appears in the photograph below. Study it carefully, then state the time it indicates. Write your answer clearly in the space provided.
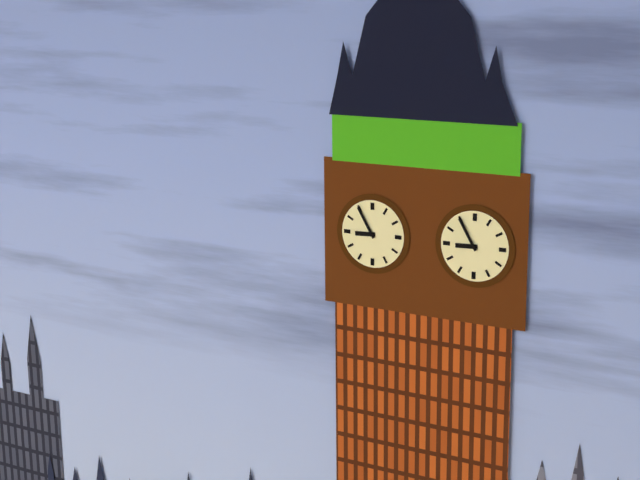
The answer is 8:55
